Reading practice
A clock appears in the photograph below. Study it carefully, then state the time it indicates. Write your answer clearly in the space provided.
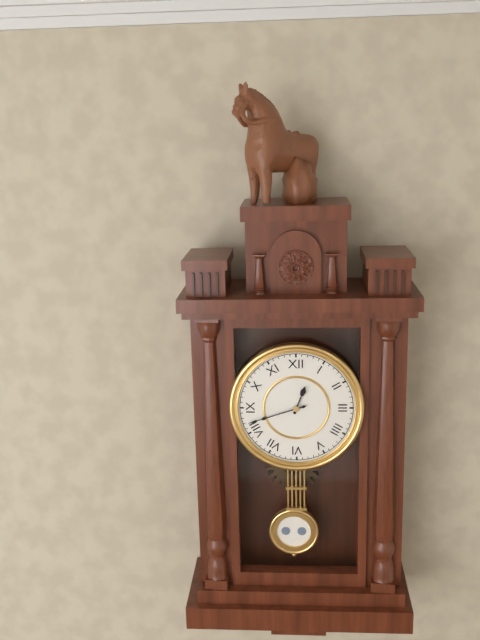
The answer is 12:42
